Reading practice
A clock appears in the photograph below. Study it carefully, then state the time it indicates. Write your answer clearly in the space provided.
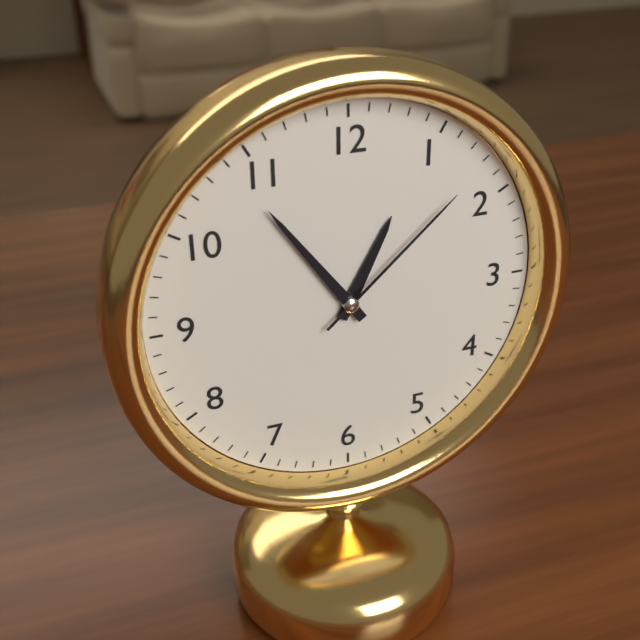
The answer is 12:54:08
